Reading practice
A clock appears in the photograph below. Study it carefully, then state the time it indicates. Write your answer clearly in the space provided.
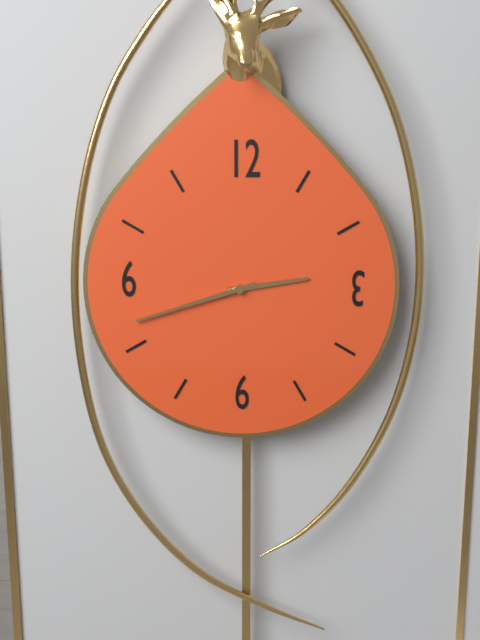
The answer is 2:42
